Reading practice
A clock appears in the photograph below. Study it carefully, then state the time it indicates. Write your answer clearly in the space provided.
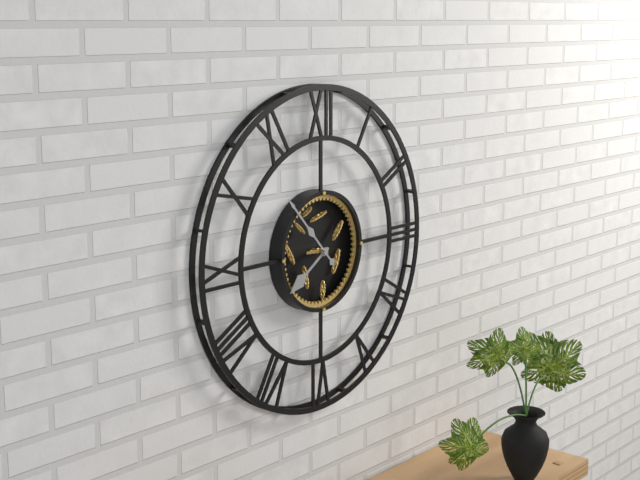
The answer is 7:53
